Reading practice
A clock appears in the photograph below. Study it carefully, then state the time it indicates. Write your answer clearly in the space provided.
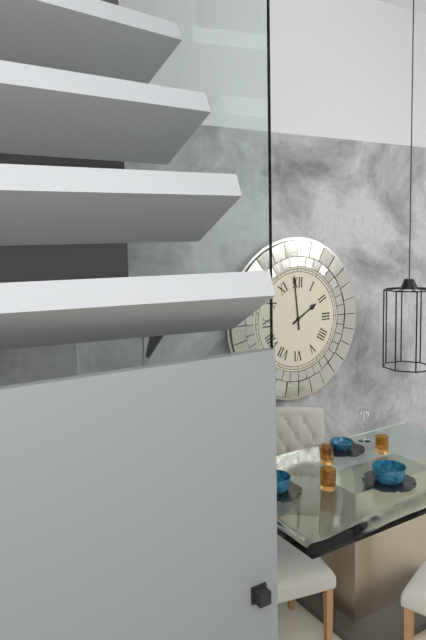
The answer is 1:59
